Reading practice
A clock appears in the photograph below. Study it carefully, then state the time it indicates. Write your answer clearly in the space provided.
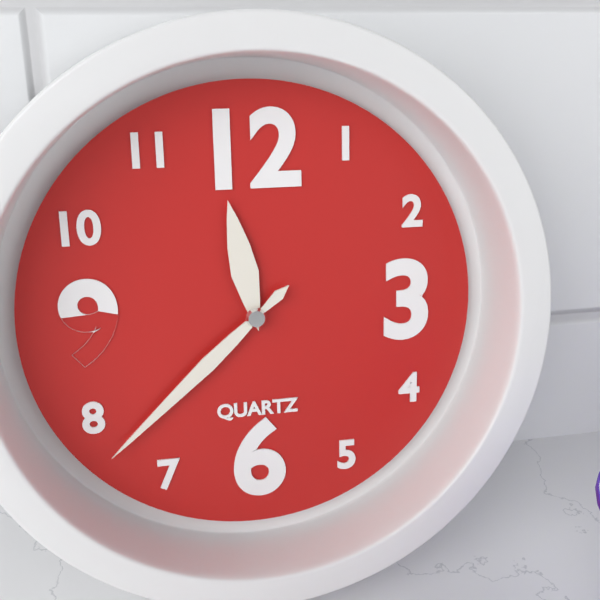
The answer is 11:38
